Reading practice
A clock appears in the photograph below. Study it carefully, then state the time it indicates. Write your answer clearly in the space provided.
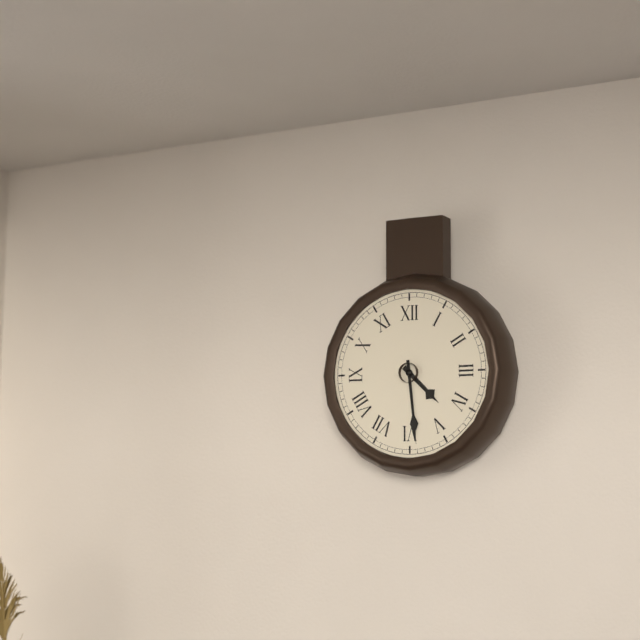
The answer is 4:29
